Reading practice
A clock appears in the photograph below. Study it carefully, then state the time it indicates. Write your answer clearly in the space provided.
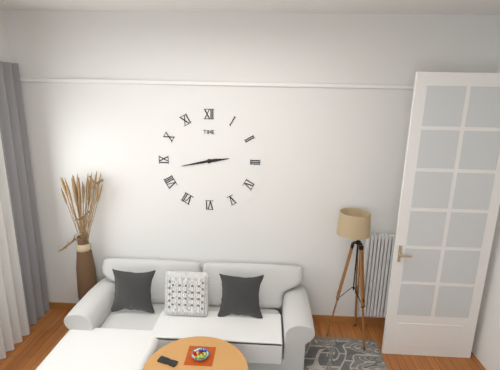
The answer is 2:43
